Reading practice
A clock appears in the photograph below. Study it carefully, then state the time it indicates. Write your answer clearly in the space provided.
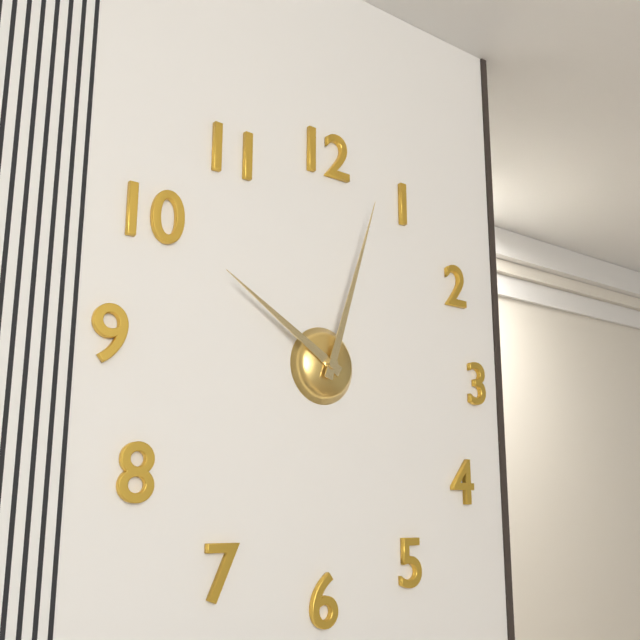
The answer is 10:03
